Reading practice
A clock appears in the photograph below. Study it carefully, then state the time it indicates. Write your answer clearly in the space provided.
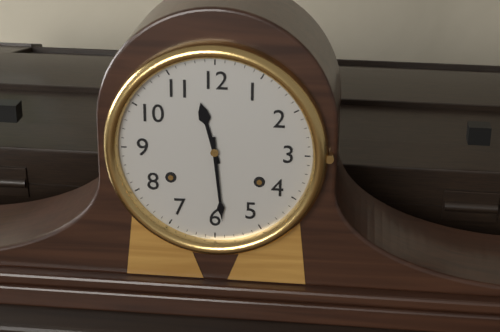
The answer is 11:29
